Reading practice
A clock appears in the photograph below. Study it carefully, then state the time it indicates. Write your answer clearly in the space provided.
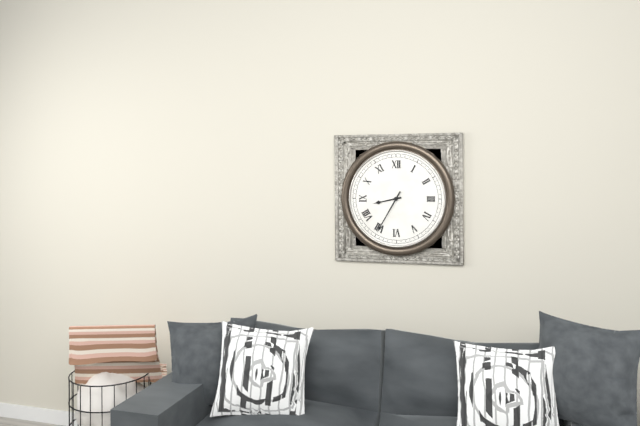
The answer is 8:35
